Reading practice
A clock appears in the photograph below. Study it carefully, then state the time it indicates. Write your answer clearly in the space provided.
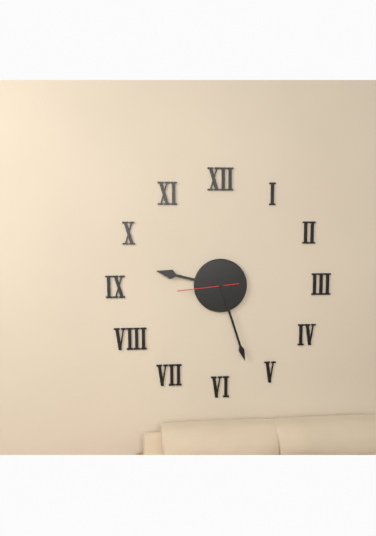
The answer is 9:27:44
